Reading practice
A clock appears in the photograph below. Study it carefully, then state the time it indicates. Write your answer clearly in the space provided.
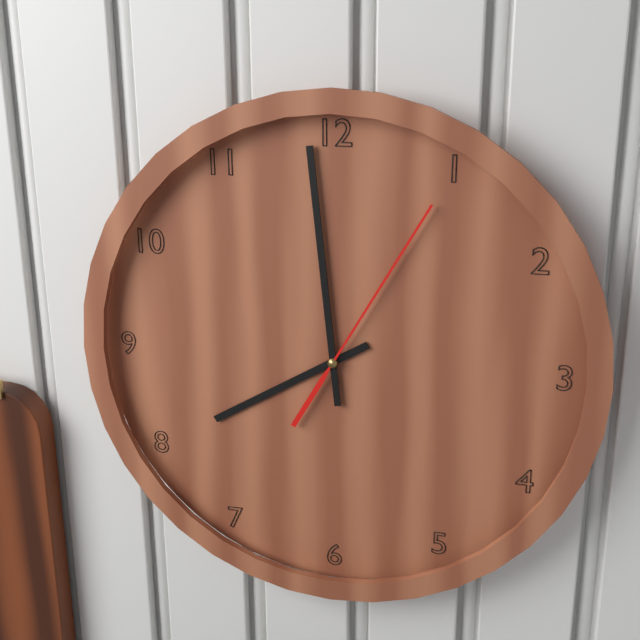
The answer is 7:59:05
